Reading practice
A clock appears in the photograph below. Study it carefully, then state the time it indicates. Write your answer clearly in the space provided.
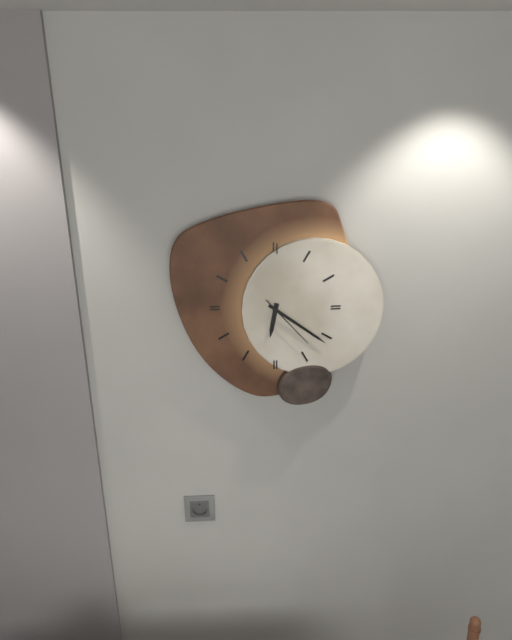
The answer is 6:21:23
